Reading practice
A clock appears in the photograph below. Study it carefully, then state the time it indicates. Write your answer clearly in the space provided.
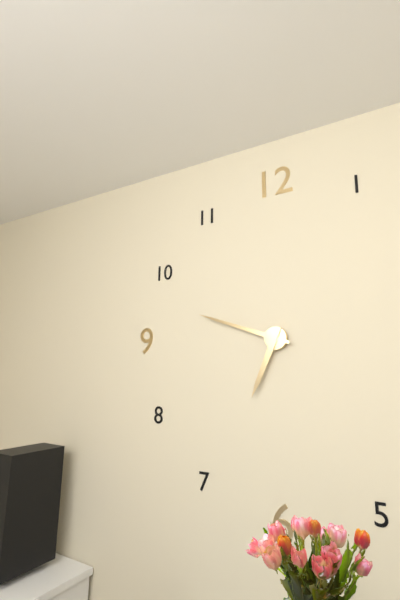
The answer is 6:48
